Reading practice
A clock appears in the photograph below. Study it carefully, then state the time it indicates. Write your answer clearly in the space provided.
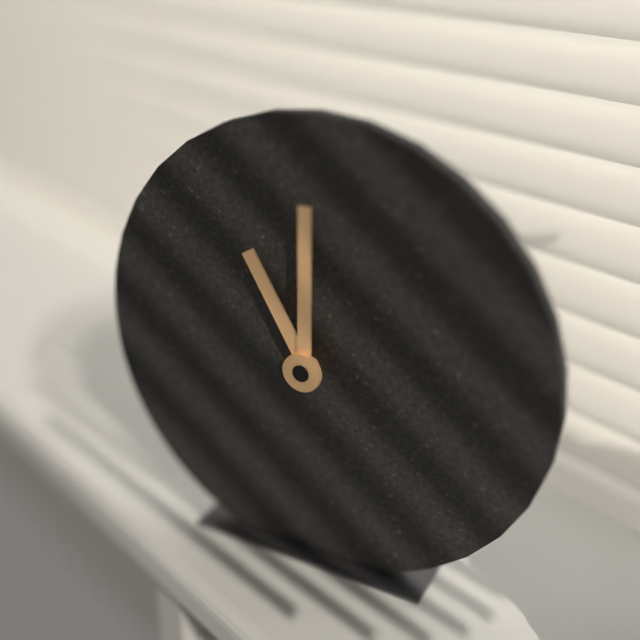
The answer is 11:00
